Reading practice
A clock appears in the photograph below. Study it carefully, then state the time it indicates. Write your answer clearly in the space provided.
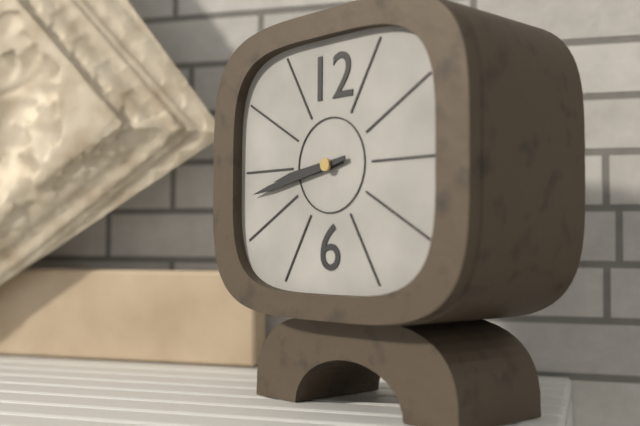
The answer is 8:43
